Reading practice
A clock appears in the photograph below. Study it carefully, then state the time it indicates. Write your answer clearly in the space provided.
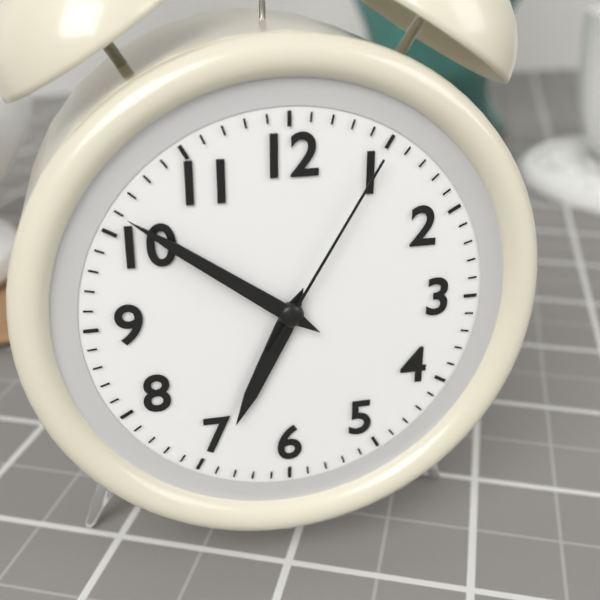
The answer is 6:51:05
